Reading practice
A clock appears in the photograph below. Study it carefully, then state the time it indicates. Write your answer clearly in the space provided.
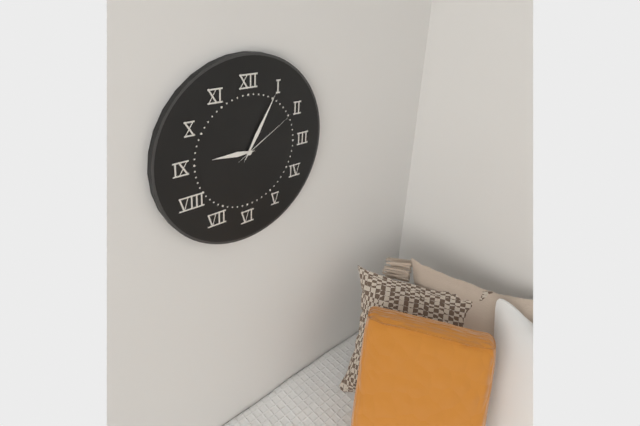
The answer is 9:05:10
